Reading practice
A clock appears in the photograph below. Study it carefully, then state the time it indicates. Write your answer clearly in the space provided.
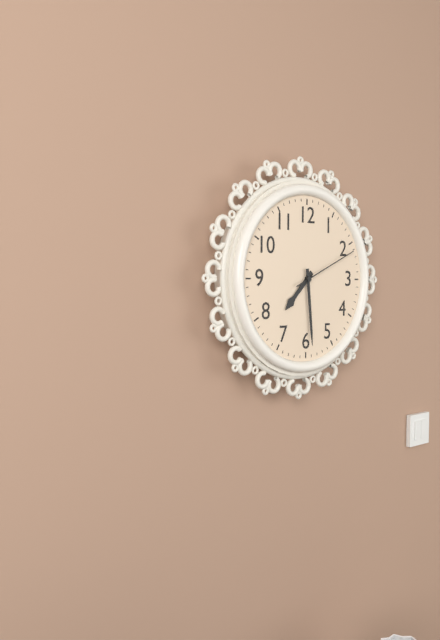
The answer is 7:29:11
